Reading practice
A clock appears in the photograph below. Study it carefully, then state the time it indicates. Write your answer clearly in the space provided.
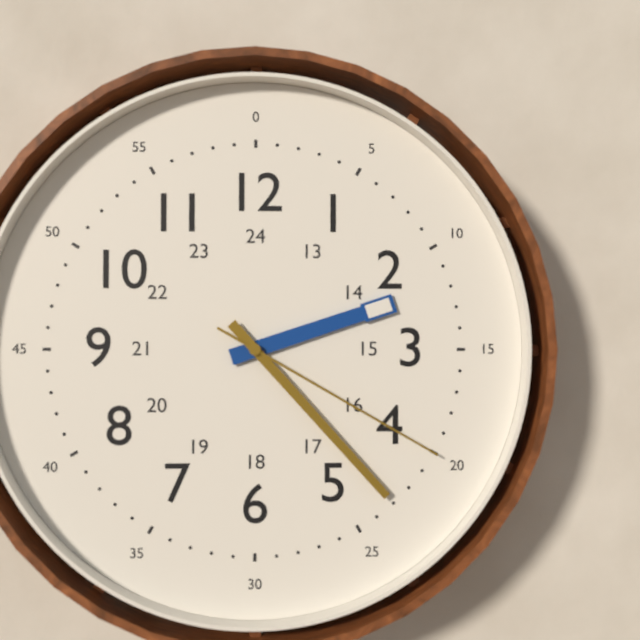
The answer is 2:23:20
